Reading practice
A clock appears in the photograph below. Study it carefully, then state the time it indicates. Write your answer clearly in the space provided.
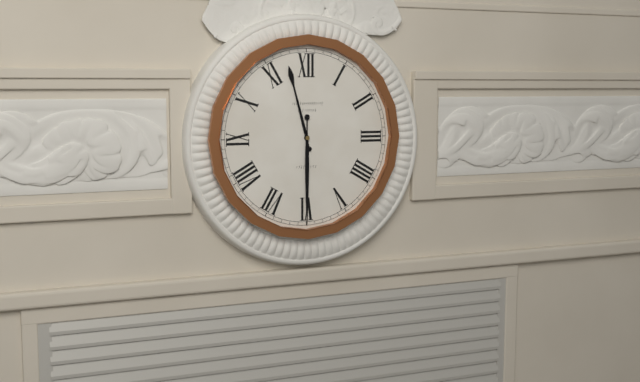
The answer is 11:30
